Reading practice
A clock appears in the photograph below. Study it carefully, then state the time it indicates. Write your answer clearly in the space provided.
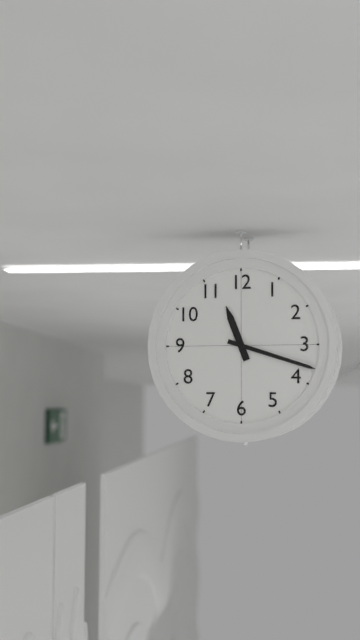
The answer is 11:18
